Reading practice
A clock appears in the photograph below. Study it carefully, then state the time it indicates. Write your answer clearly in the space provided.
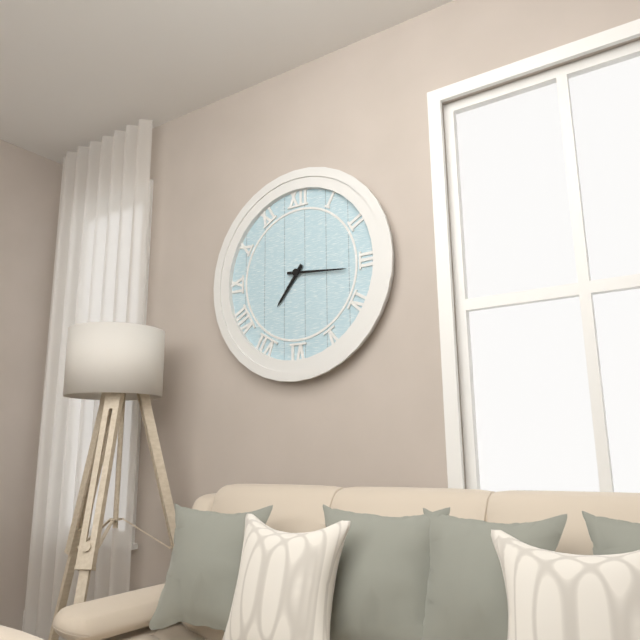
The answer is 7:16
